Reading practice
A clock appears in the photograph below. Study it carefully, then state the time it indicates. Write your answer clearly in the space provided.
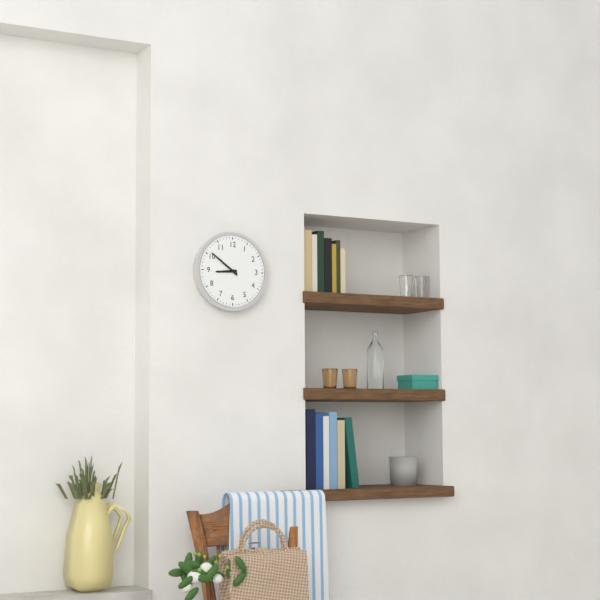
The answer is 8:51
